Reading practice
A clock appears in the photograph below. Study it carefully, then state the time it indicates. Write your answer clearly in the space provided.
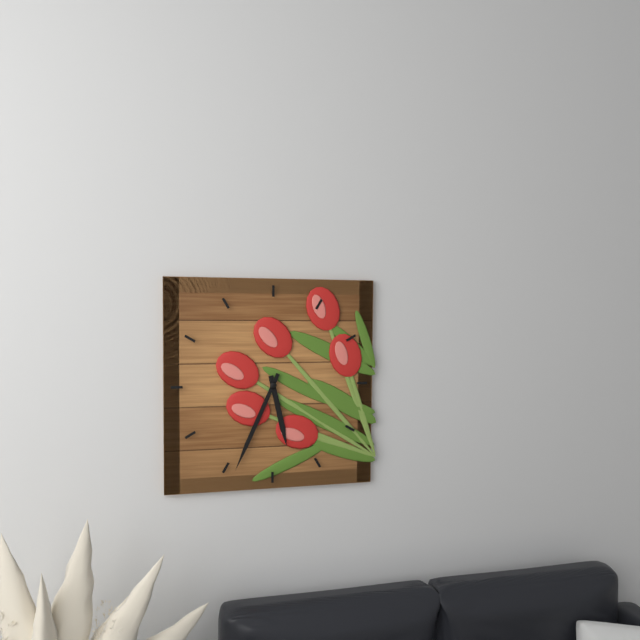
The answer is 5:34
